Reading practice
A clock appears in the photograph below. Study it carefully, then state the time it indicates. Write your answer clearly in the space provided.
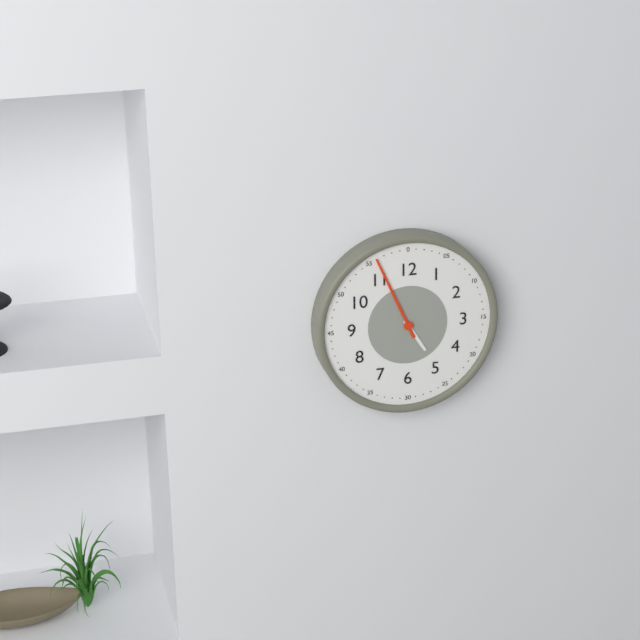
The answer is 4:56
